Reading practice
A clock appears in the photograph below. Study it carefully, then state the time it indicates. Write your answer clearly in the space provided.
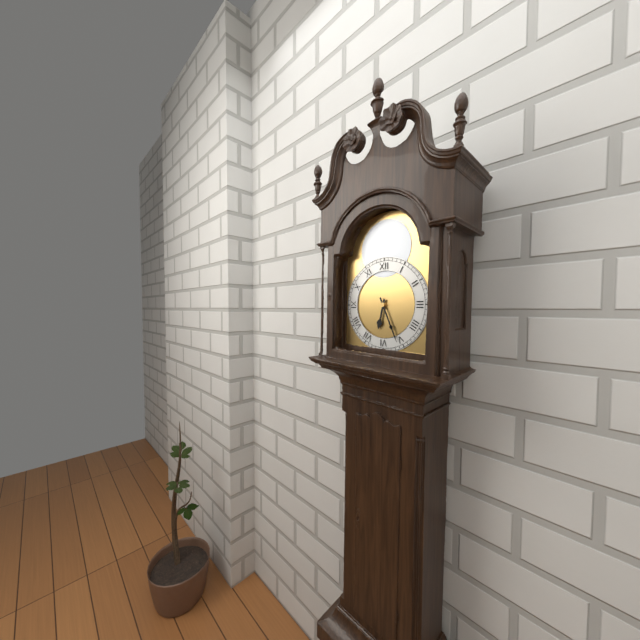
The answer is 6:26
